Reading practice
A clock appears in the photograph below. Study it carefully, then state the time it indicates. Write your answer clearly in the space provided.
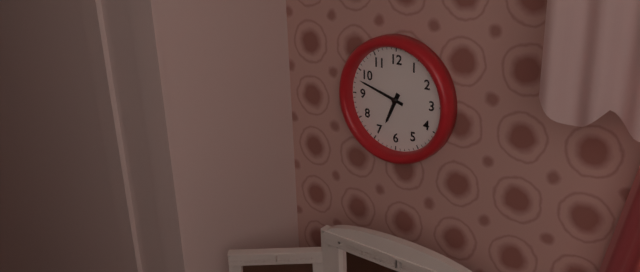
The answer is 6:48
